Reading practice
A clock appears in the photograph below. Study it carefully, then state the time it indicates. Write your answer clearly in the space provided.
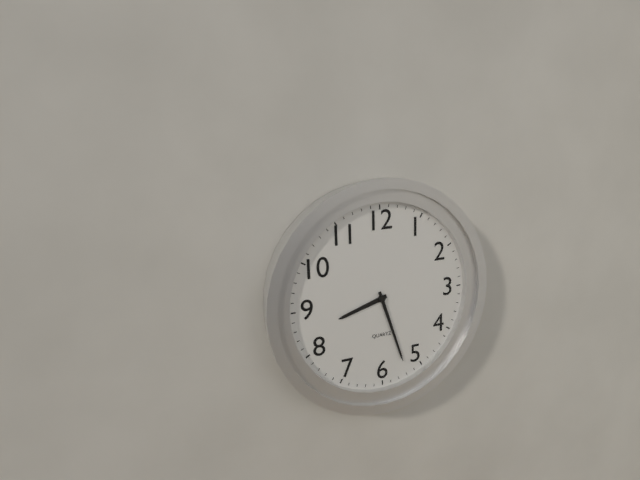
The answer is 8:27
